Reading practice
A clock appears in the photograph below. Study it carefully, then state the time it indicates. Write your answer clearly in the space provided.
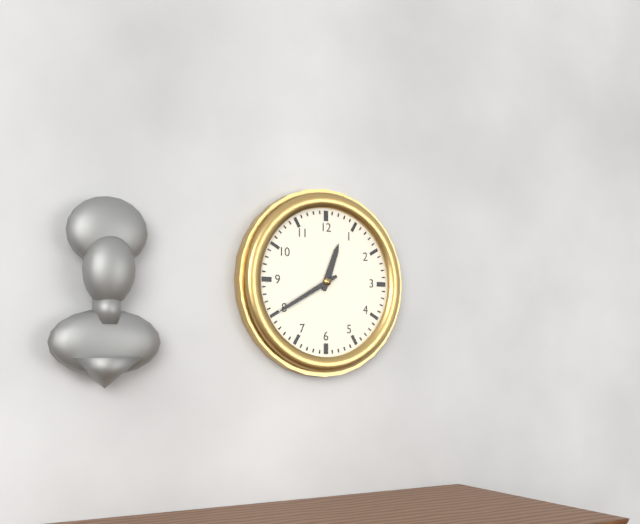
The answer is 12:40
